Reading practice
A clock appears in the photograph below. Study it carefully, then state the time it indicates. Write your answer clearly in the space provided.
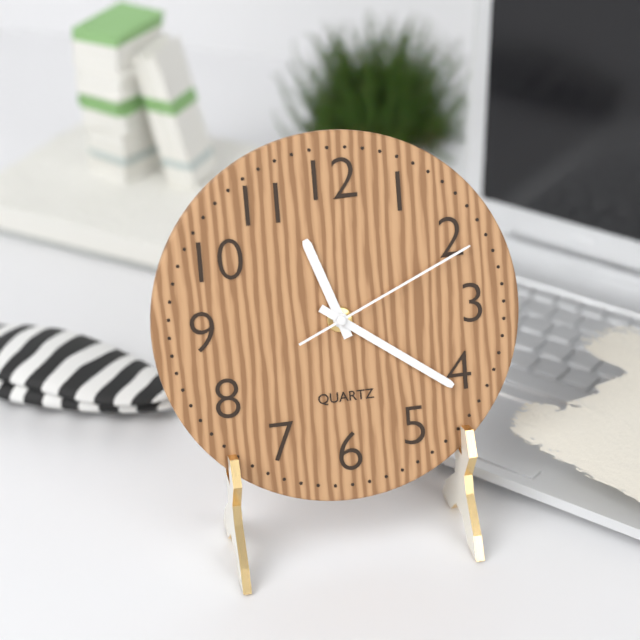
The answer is 11:21:11
